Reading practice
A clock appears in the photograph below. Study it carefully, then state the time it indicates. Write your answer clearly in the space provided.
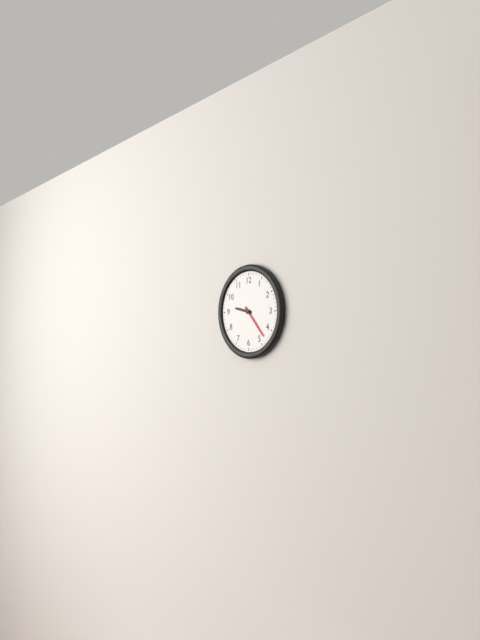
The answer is 9:23
